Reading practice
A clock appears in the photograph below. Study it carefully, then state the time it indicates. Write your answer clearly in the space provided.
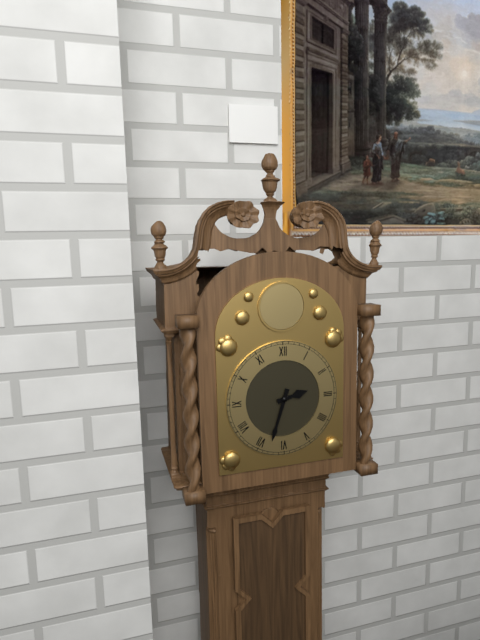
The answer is 2:33
